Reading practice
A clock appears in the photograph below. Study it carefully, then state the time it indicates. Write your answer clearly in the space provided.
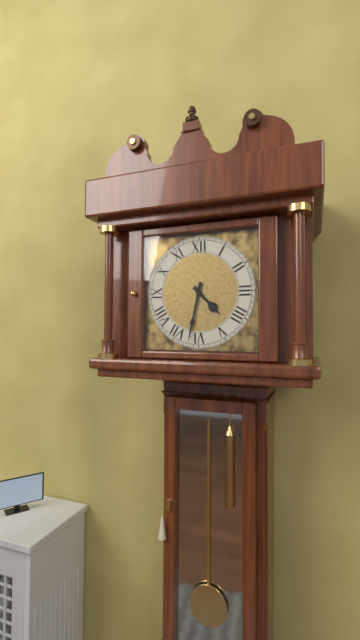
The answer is 4:32
